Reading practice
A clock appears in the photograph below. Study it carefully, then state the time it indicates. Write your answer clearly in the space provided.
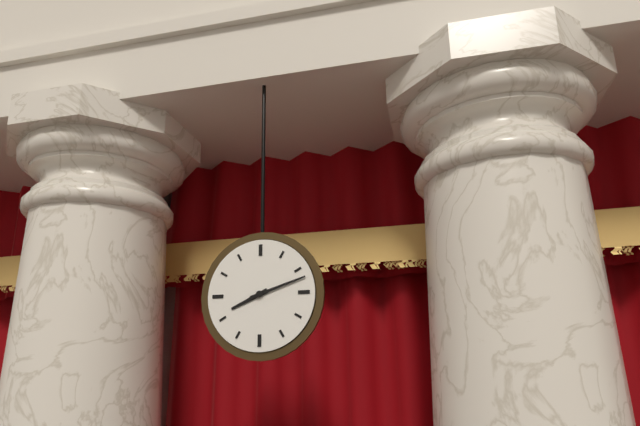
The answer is 8:12
